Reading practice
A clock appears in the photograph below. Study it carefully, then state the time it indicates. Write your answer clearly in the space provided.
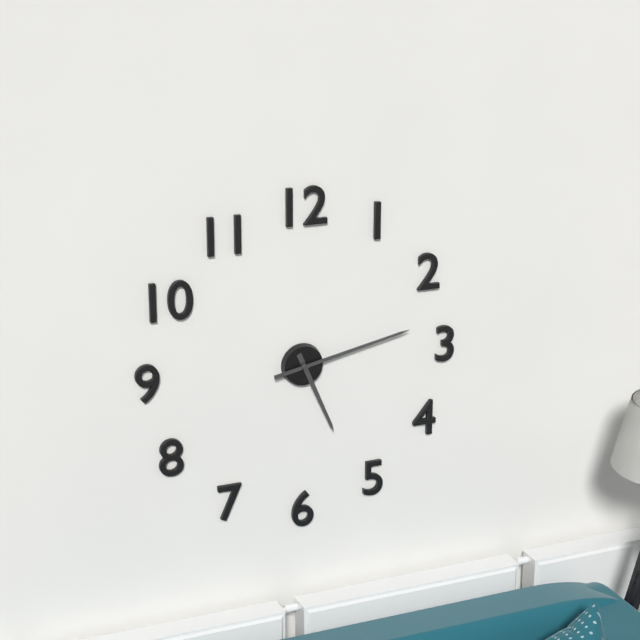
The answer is 5:13
